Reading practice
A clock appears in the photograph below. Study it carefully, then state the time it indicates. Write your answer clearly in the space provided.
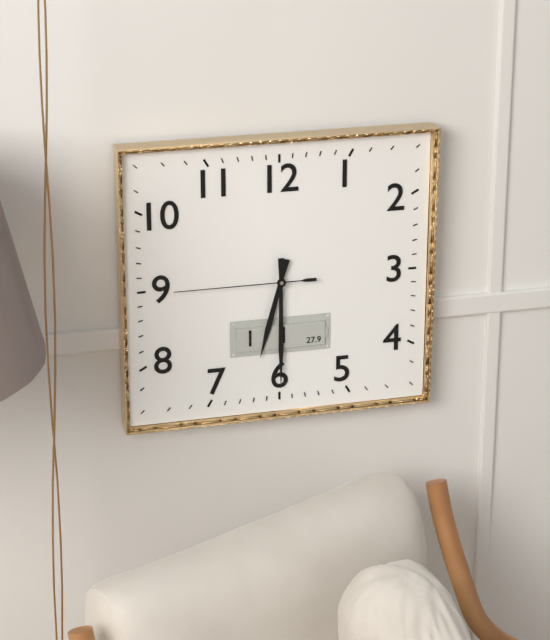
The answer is 6:30:45
